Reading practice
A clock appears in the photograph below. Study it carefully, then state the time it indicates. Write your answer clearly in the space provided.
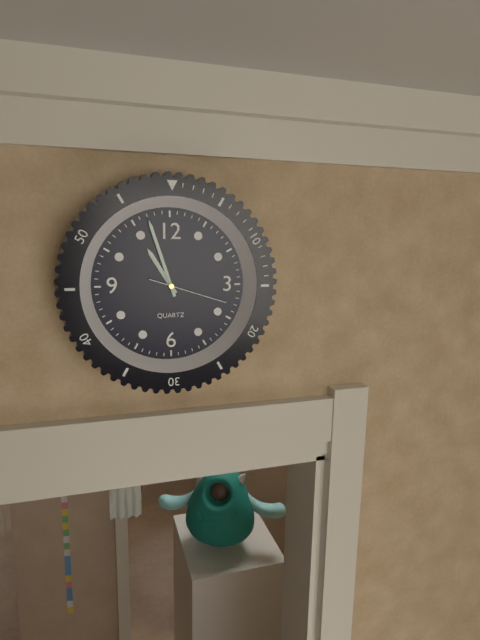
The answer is 10:57:18
